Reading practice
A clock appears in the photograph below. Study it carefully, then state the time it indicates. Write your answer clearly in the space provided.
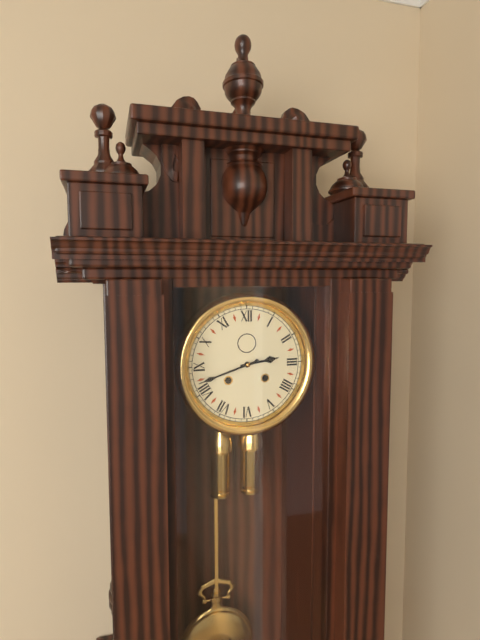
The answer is 2:42
